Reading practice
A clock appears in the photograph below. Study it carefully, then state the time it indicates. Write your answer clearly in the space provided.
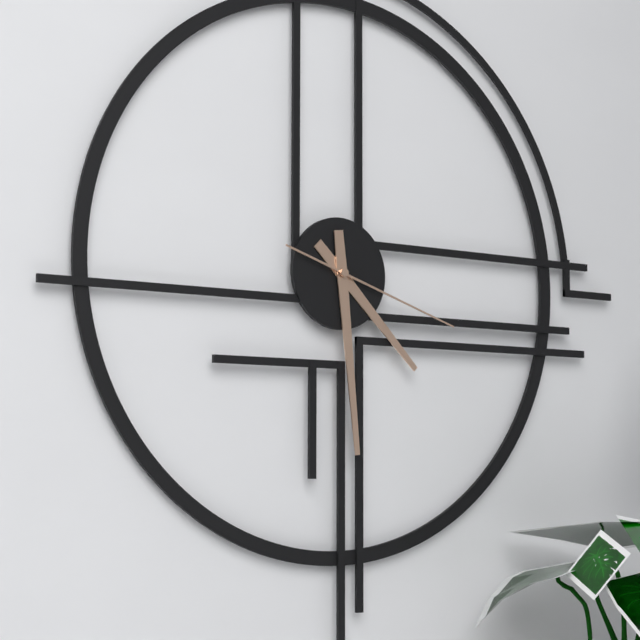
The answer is 4:29:18
